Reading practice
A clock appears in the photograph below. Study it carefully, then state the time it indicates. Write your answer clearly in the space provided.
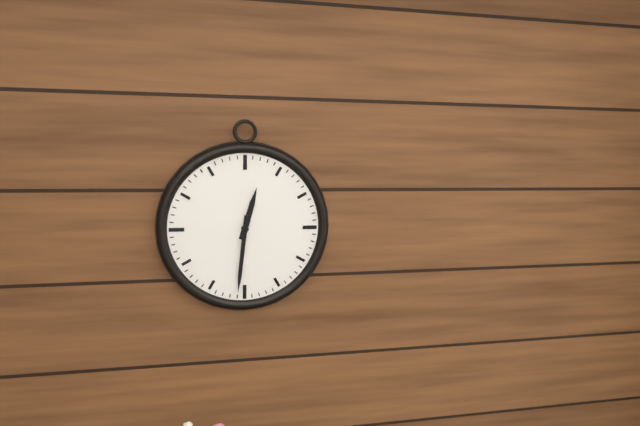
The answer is 12:31
